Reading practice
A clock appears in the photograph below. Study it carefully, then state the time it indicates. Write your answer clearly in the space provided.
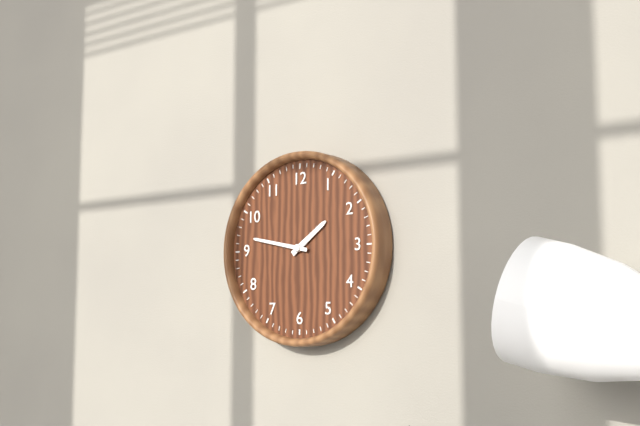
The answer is 1:47
